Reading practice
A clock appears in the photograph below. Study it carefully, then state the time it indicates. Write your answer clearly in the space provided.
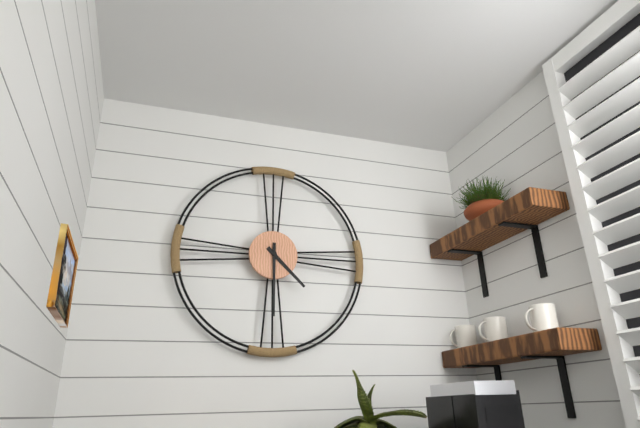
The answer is 4:30
